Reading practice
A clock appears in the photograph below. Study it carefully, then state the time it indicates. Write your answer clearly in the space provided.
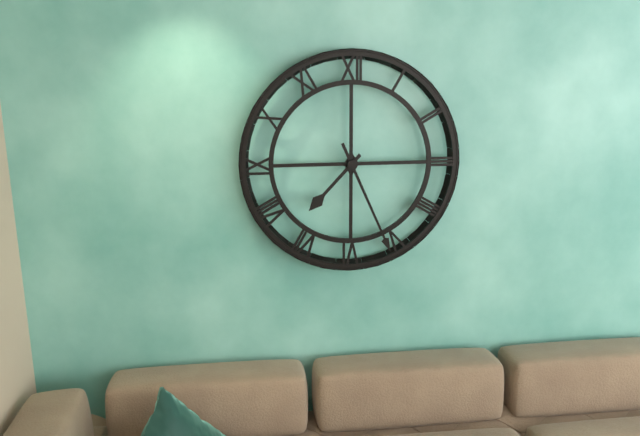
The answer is 7:26
